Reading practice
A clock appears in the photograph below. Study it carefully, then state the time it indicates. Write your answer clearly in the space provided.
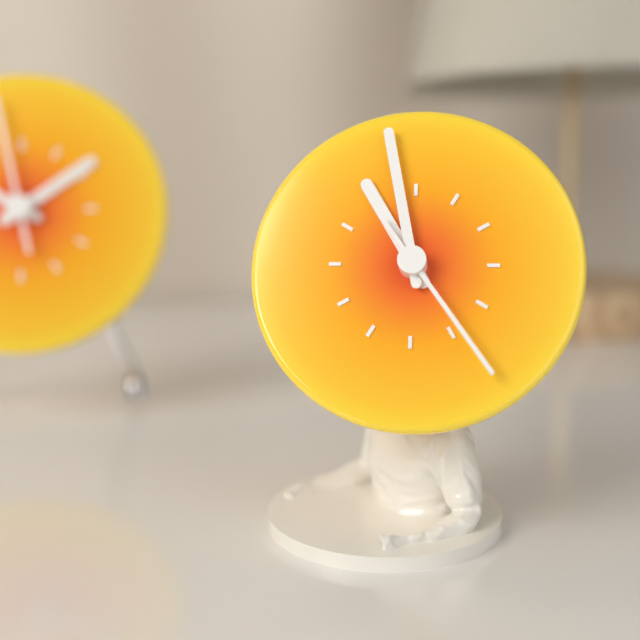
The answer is 10:58:24
